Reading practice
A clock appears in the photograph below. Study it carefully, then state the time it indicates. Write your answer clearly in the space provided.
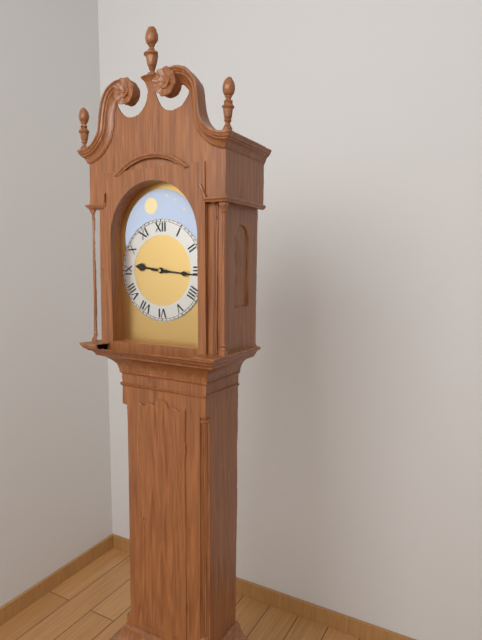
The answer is 9:16
